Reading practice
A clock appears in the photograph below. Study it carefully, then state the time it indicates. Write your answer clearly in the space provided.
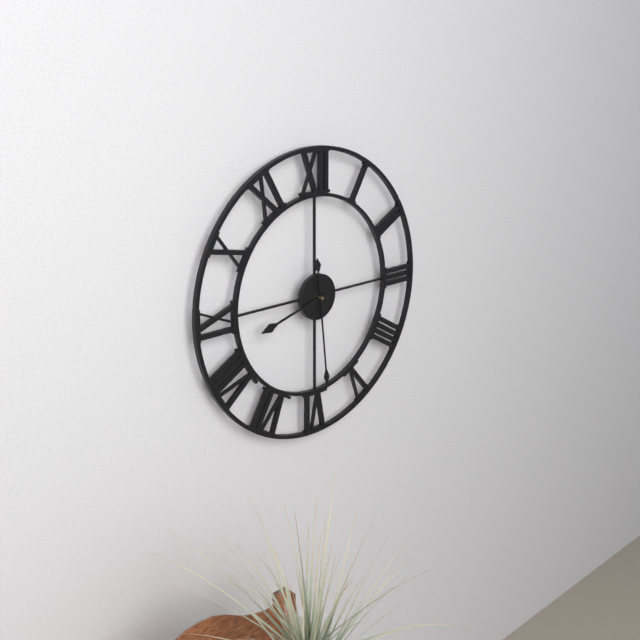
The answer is 8:29
